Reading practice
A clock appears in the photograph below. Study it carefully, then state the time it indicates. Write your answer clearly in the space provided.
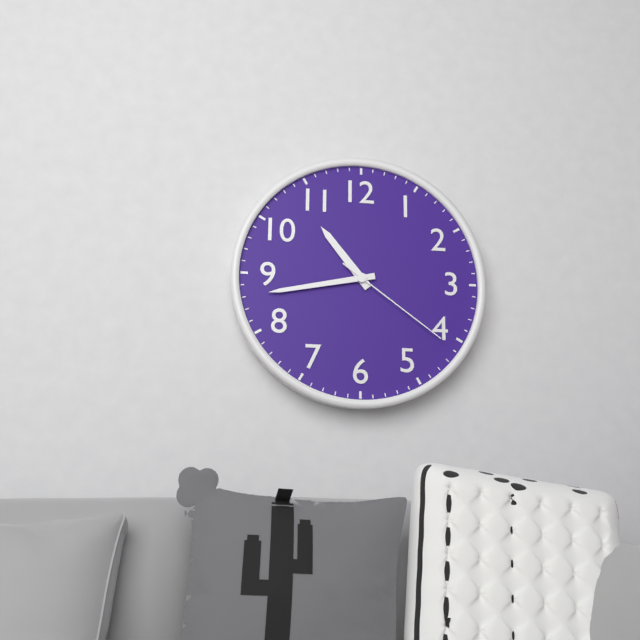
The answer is 10:43:21
